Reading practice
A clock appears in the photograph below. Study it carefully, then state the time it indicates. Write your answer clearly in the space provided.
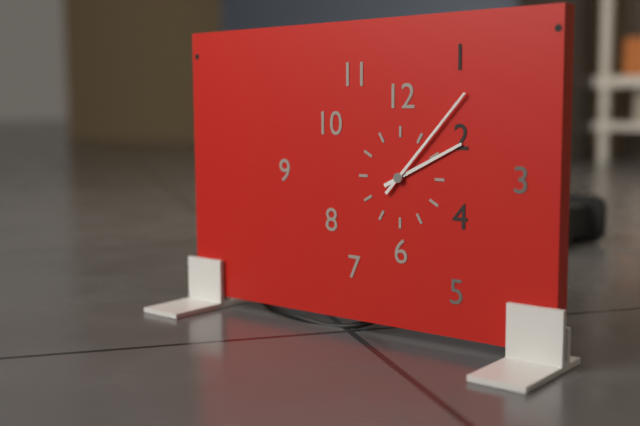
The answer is 2:07
